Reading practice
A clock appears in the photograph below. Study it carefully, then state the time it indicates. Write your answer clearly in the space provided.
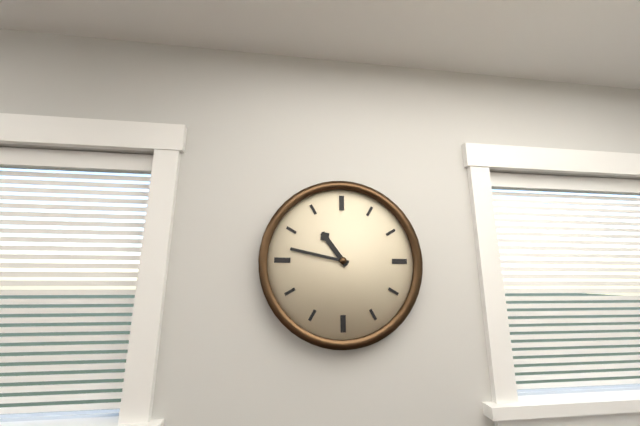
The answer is 10:47
